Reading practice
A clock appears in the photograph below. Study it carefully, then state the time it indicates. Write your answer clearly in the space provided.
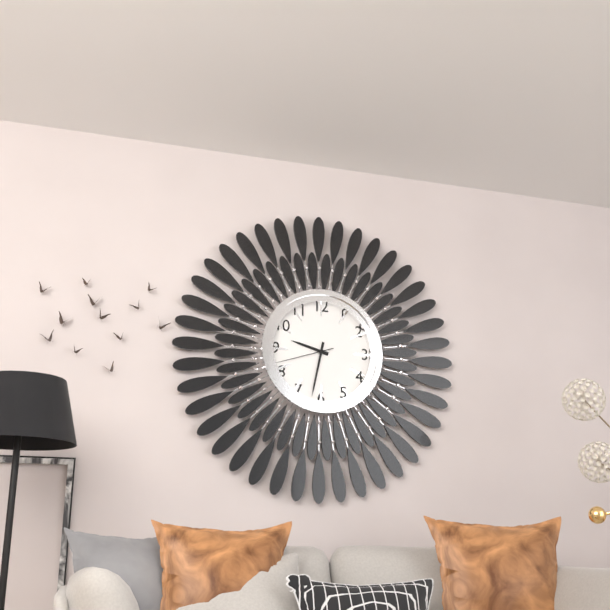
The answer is 9:32:42
